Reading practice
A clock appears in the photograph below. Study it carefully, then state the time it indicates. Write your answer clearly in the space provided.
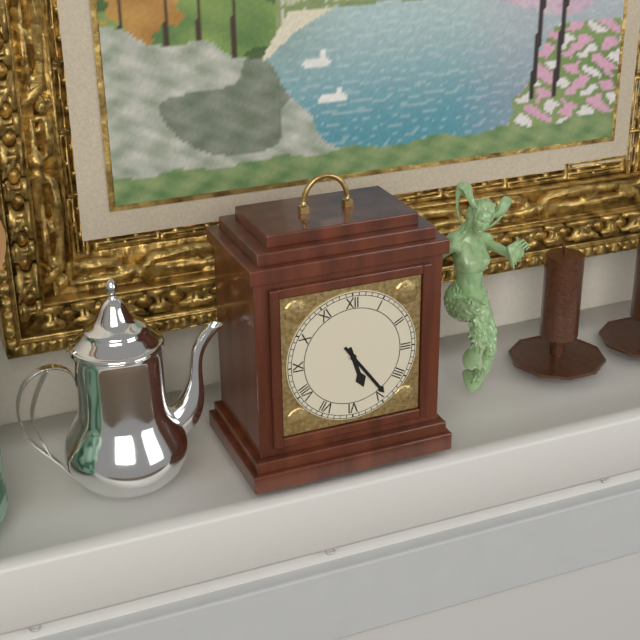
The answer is 5:24
